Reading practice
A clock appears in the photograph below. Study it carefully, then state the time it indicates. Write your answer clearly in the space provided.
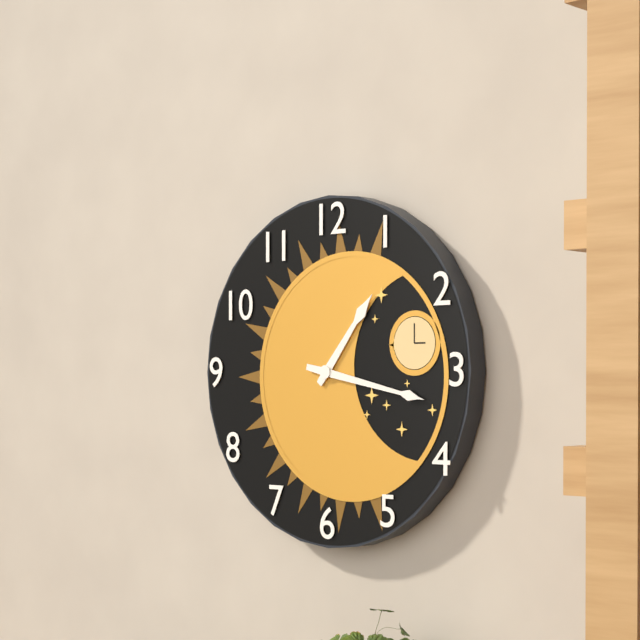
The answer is 1:17
